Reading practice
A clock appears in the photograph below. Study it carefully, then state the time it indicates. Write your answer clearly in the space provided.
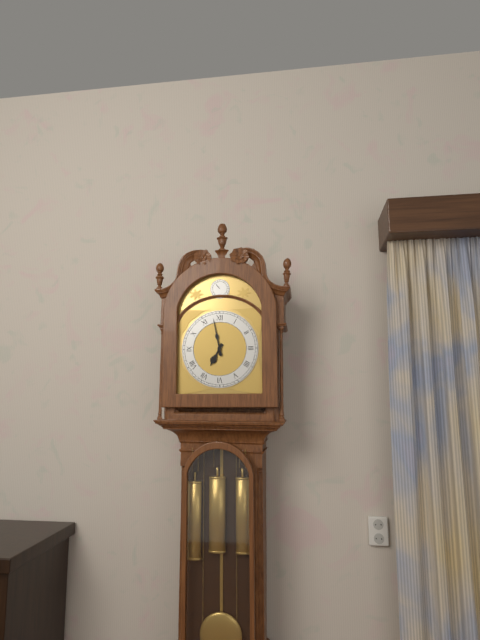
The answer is 6:58
